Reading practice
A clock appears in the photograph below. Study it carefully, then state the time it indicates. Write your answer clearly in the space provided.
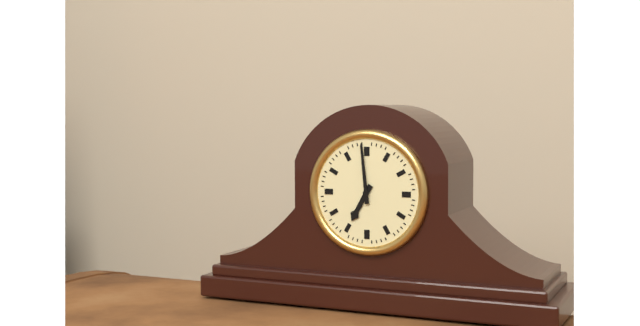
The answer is 6:59
